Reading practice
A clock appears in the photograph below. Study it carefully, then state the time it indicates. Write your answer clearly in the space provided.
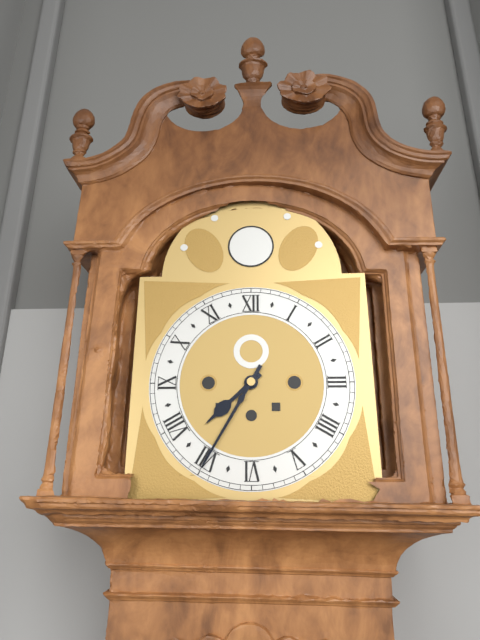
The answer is 7:35
